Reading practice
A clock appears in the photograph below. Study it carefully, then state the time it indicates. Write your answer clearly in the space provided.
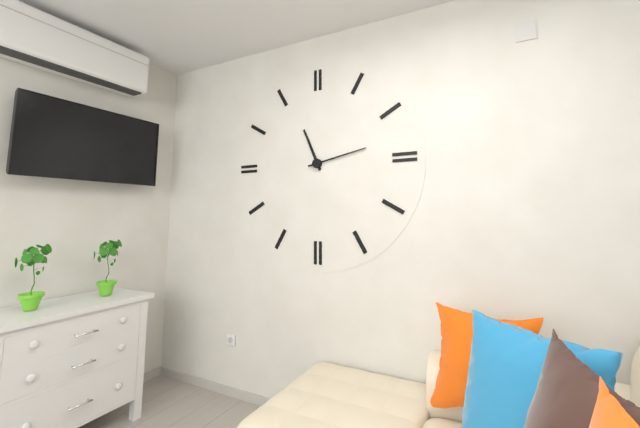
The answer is 11:13
